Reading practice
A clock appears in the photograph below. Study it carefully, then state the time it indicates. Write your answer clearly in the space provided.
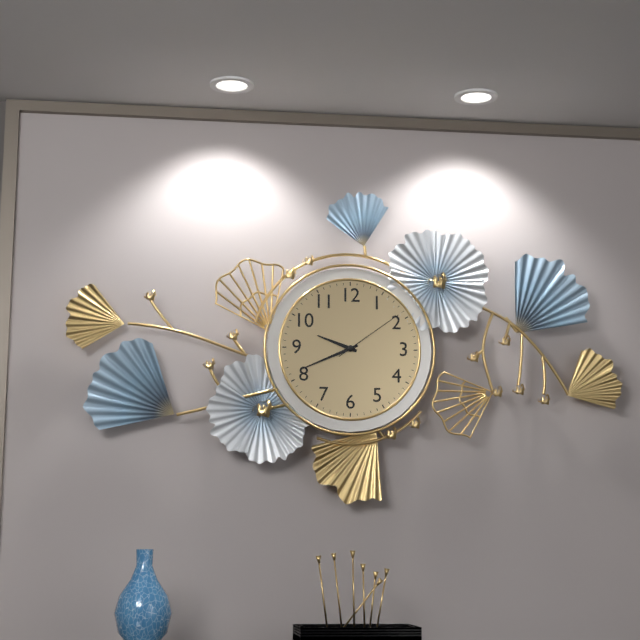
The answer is 9:41:09
